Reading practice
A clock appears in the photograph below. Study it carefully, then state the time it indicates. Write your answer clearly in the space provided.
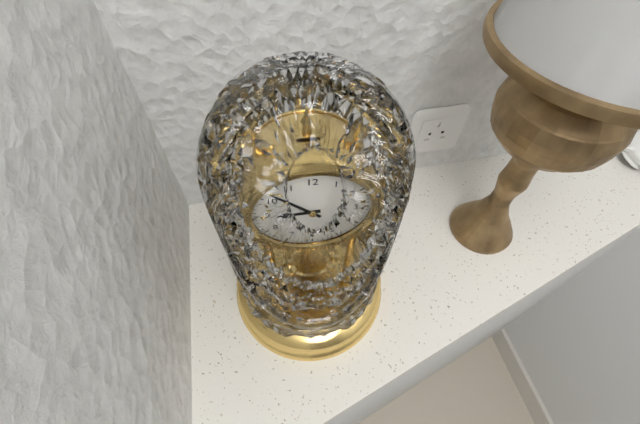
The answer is 8:52
